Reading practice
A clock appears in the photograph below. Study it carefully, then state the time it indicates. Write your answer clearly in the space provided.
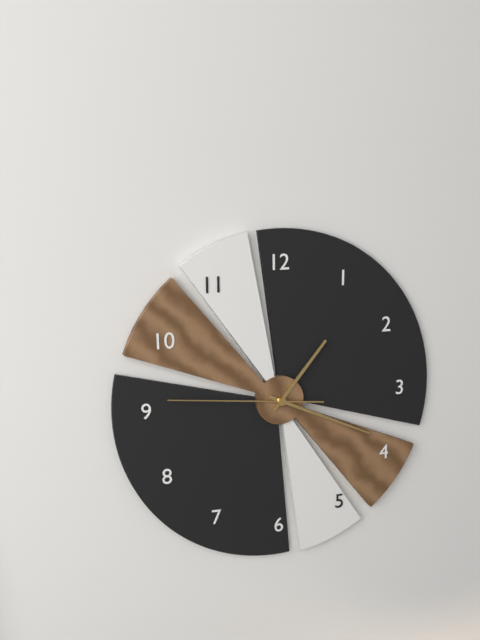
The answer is 1:19:46
